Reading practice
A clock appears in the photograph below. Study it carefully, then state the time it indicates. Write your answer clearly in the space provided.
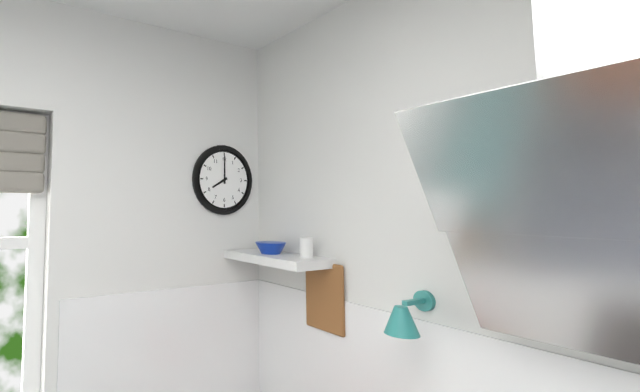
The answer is 8:00
